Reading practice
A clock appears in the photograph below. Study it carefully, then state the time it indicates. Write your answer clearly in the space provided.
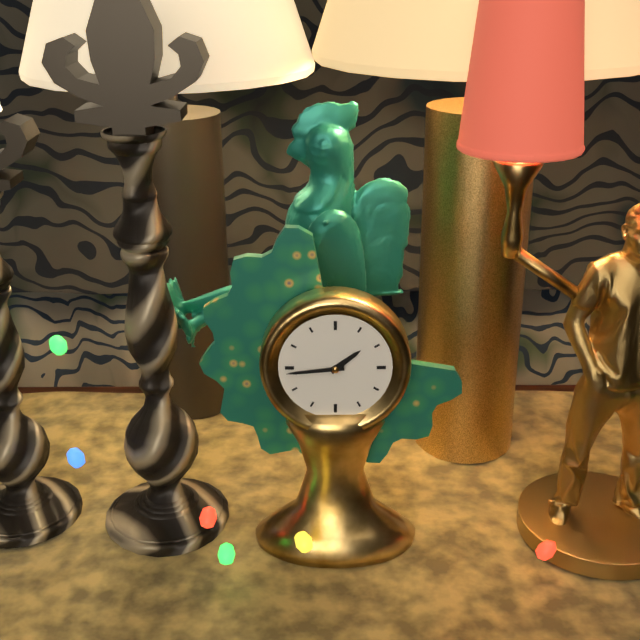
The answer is 1:44
